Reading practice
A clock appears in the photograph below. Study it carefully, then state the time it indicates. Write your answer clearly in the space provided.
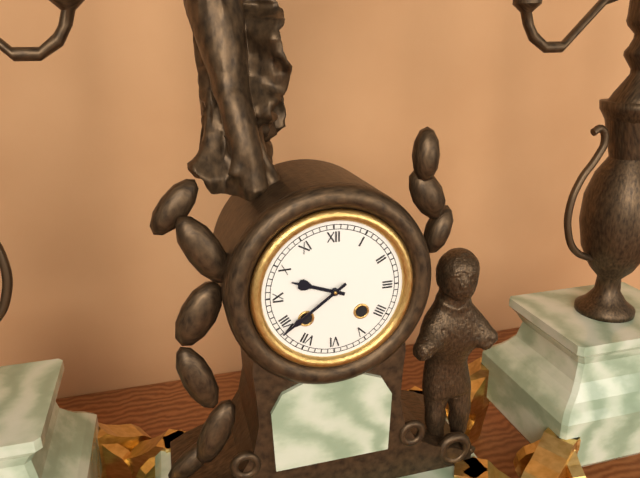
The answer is 9:39
